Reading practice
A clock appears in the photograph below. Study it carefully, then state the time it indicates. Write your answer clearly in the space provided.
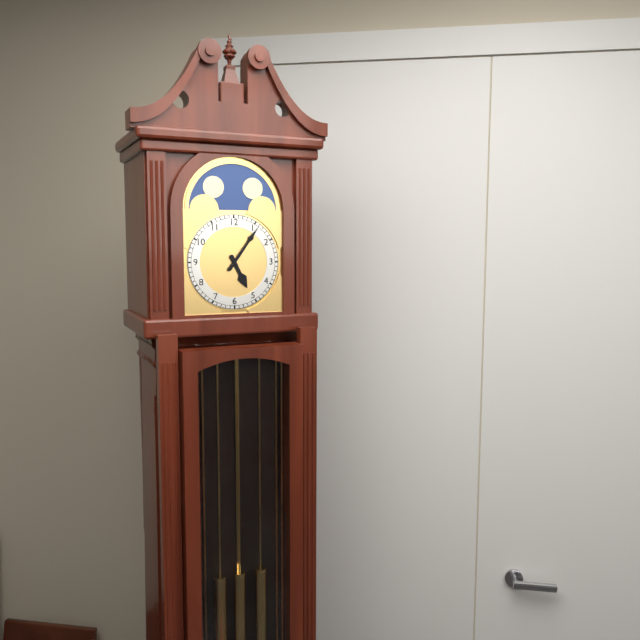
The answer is 5:06
